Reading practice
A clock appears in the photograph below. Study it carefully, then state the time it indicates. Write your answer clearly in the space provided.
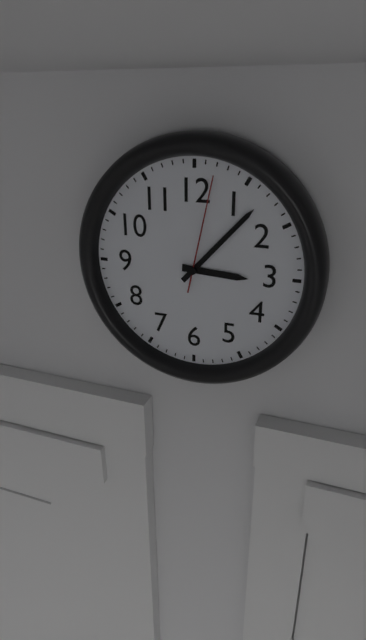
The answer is 3:07:02
